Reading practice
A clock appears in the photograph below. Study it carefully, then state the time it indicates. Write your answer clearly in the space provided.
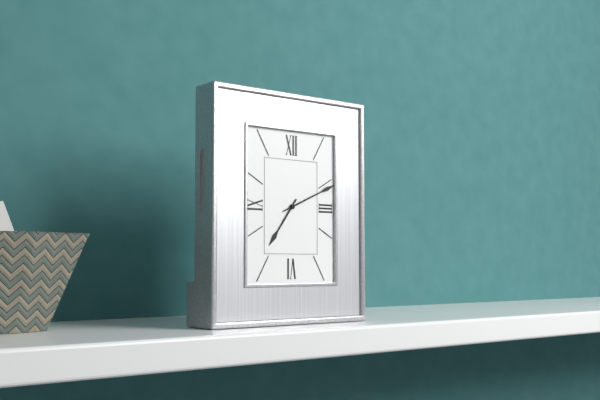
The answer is 7:11
